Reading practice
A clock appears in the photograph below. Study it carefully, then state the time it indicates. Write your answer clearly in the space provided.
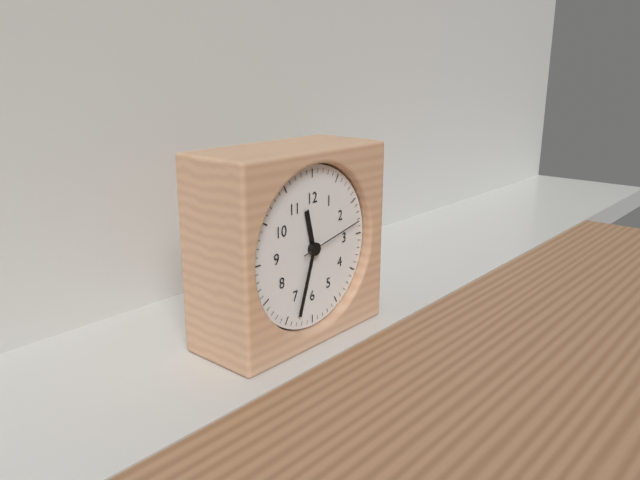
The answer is 11:33:13
